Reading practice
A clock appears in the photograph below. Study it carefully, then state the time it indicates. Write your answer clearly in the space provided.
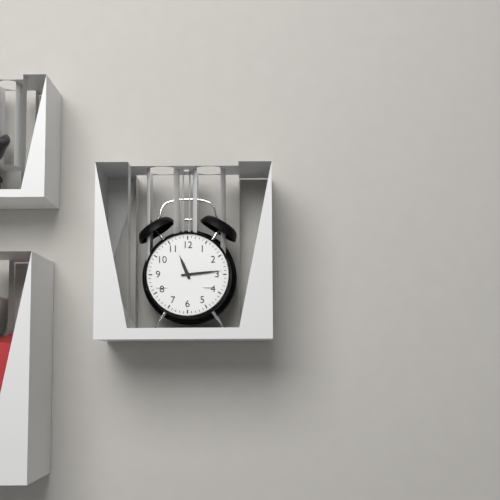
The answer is 11:14
